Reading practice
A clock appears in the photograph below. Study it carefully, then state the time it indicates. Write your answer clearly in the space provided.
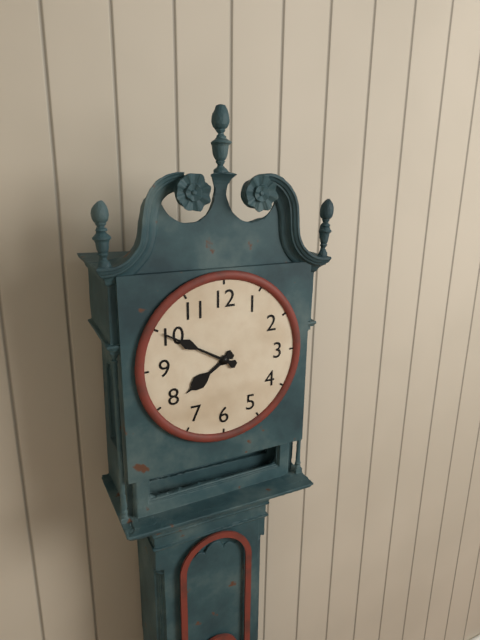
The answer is 7:50
